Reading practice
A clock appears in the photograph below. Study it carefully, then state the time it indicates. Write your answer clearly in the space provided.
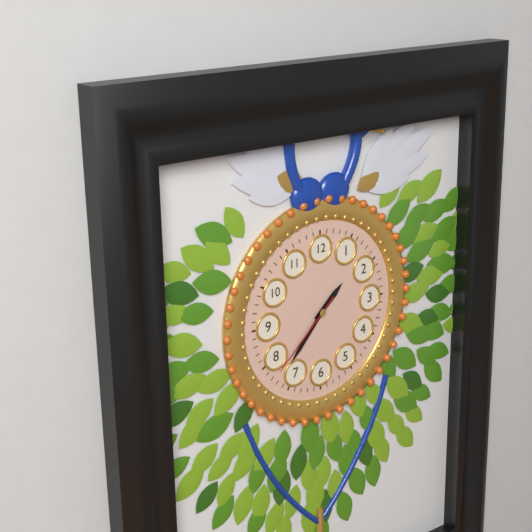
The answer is 1:37:38
